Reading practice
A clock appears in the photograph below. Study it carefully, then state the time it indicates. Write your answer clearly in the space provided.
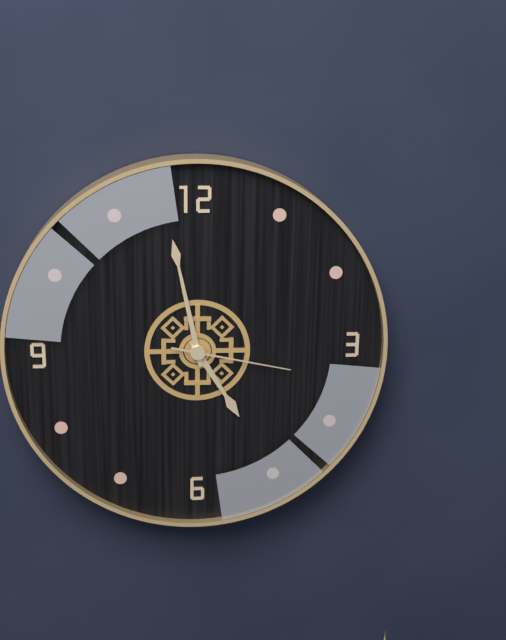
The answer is 4:58:17
